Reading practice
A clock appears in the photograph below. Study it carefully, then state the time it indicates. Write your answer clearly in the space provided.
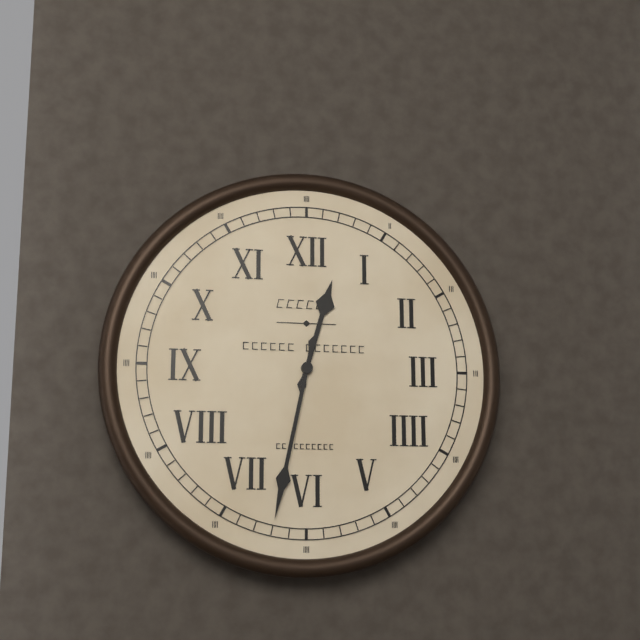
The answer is 12:32
